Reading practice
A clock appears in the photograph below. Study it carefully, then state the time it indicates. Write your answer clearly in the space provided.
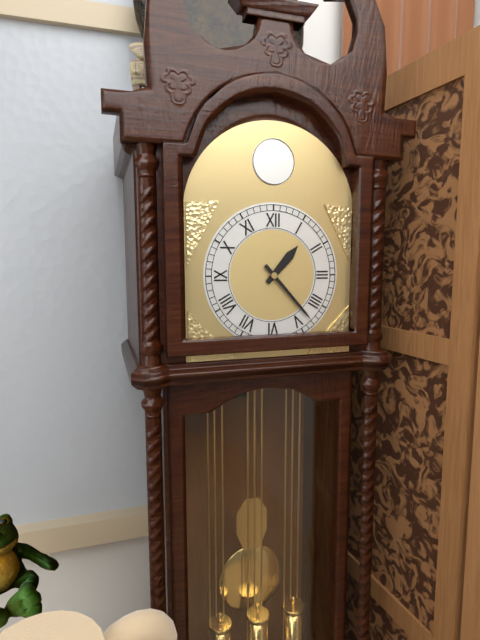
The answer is 1:23
